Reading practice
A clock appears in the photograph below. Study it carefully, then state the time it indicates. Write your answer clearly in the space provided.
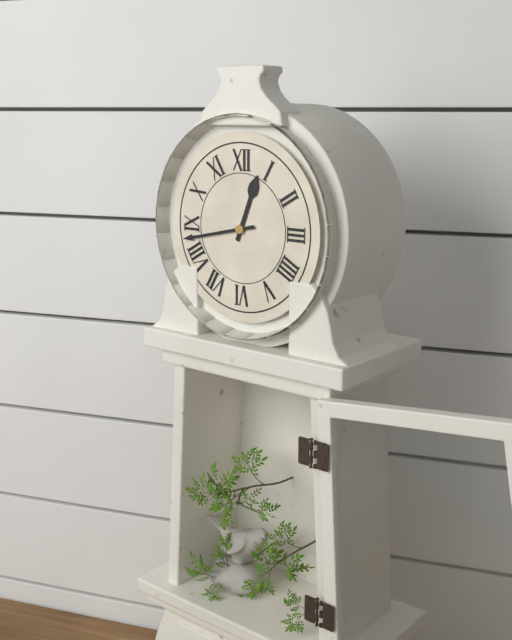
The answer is 12:43
